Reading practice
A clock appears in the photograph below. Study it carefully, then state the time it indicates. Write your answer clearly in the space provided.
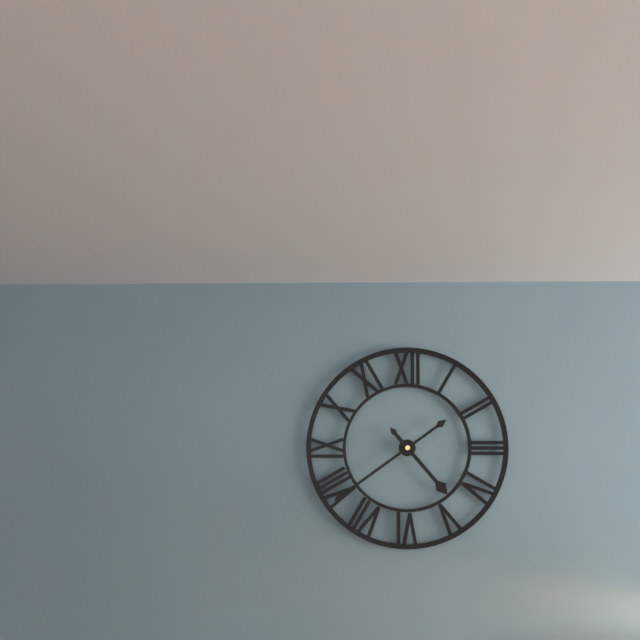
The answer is 4:39
